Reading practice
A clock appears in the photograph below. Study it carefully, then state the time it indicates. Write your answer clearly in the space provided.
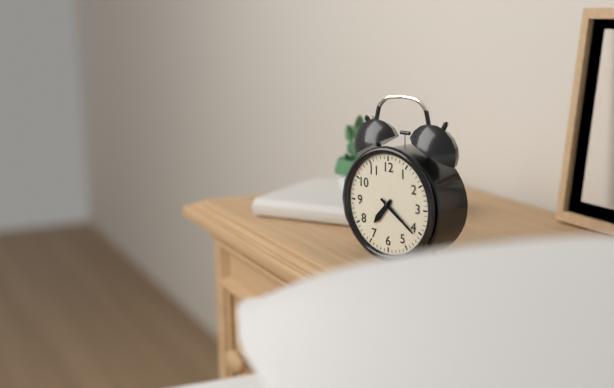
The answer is 7:21
